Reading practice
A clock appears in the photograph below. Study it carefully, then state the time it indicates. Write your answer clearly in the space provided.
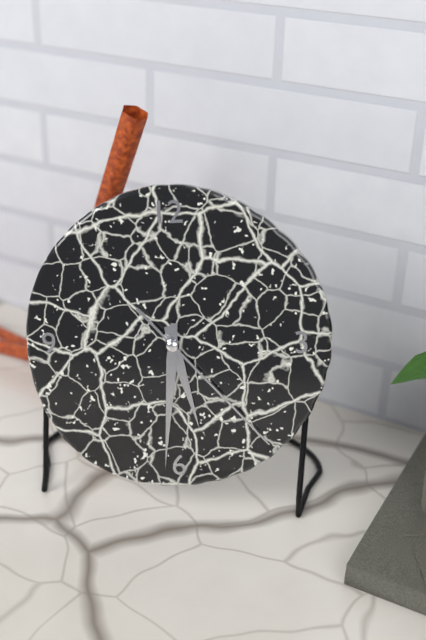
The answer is 5:31:23
